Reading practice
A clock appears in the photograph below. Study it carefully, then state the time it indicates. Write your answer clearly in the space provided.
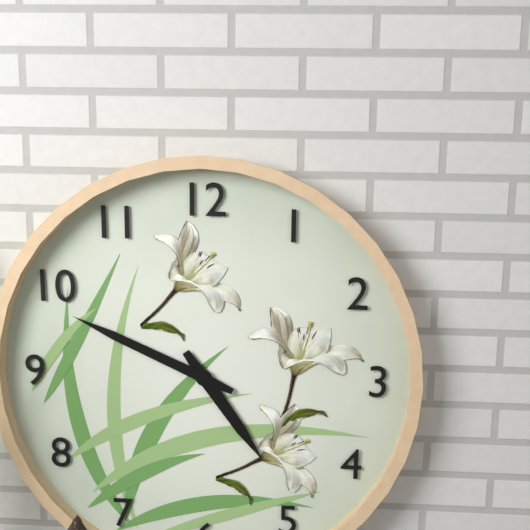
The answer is 4:49
